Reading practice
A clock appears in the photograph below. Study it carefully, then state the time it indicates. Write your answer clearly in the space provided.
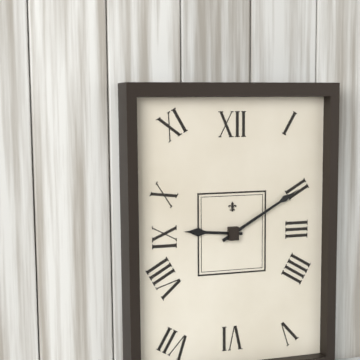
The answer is 9:10
